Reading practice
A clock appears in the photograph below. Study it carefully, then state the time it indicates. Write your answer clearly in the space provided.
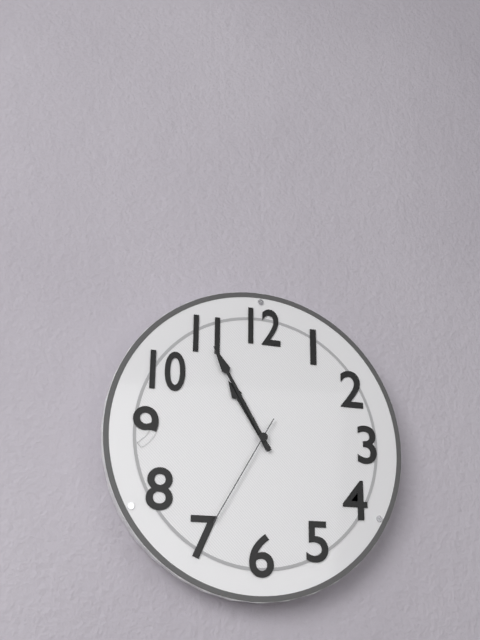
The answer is 10:55:35
